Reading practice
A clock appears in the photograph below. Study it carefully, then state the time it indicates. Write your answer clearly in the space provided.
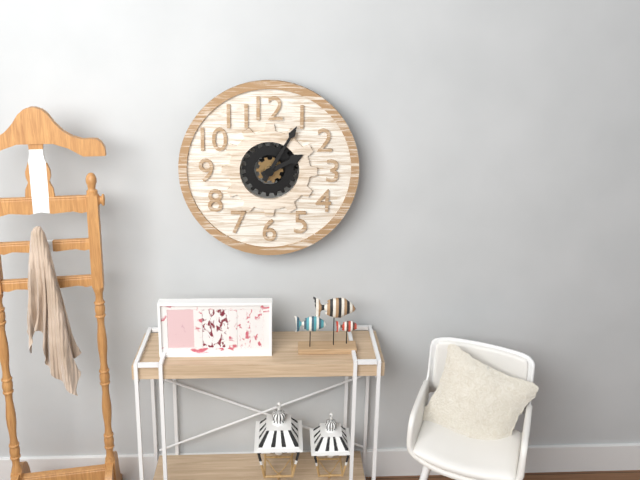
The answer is 2:05
